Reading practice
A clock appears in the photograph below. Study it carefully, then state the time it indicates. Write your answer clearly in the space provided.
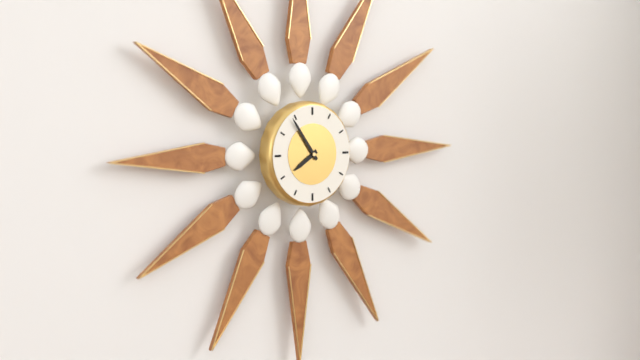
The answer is 7:54
